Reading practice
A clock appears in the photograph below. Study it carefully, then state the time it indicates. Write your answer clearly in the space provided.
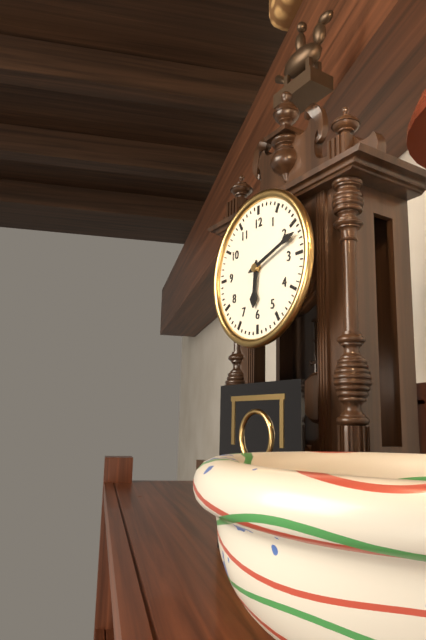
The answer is 6:12
